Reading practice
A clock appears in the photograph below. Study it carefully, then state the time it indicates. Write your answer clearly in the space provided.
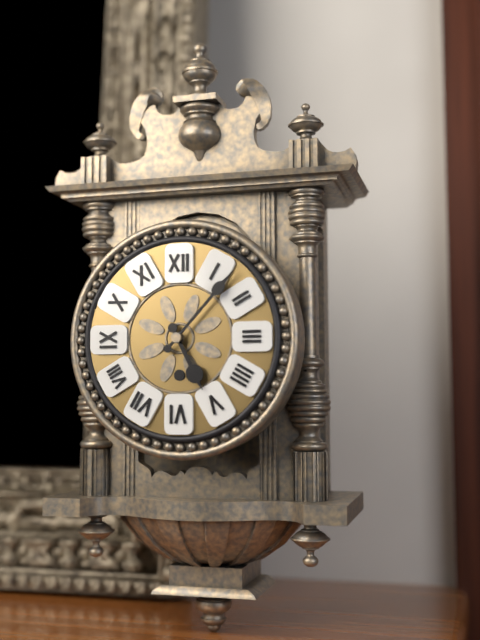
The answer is 5:07
